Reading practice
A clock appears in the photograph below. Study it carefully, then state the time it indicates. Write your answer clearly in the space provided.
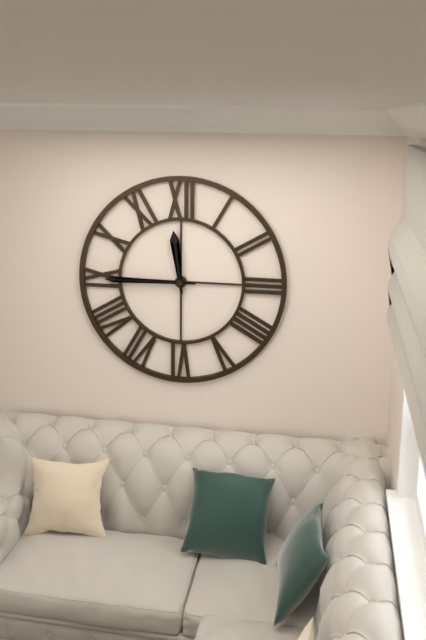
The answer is 11:45
